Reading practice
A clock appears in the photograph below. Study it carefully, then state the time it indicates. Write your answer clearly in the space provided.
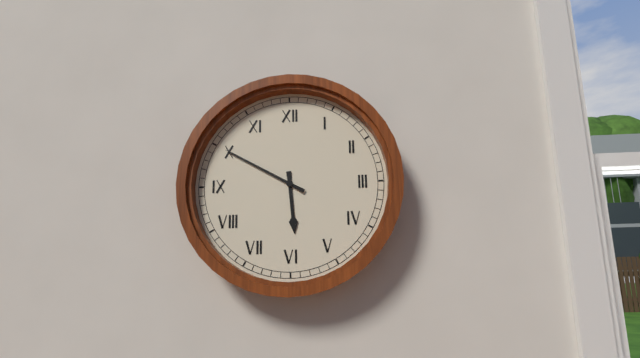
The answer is 5:50
